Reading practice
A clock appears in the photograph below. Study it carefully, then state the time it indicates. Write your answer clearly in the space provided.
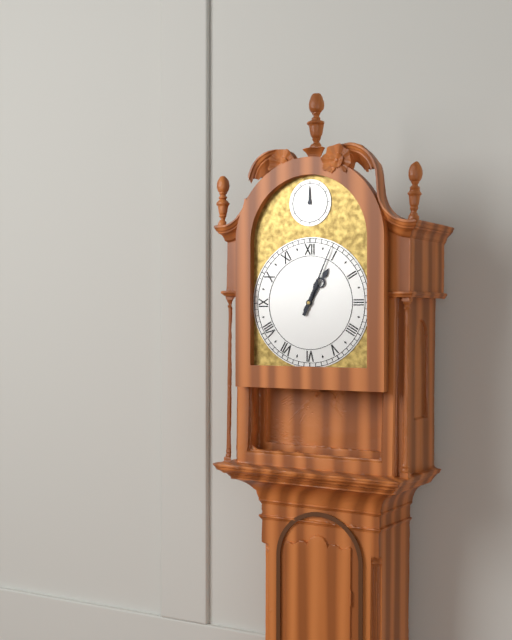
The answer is 1:04
